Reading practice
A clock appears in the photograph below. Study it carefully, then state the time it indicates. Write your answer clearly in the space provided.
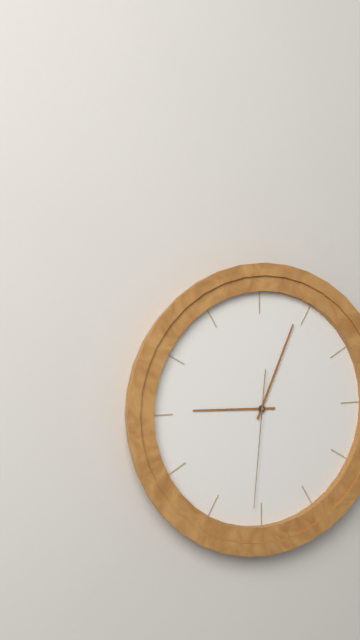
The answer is 9:04:31
